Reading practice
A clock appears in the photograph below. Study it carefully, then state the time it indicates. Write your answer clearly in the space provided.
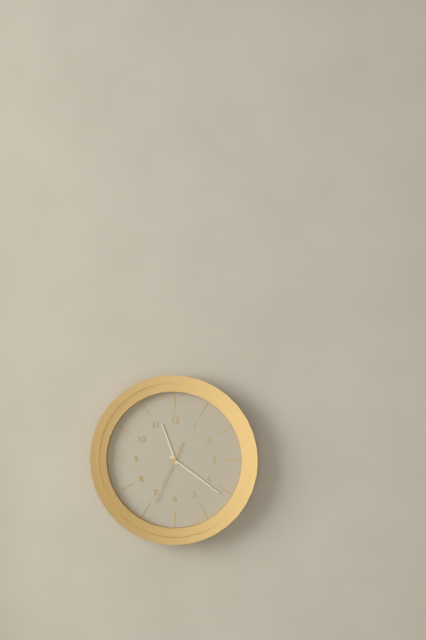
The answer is 11:21:34
